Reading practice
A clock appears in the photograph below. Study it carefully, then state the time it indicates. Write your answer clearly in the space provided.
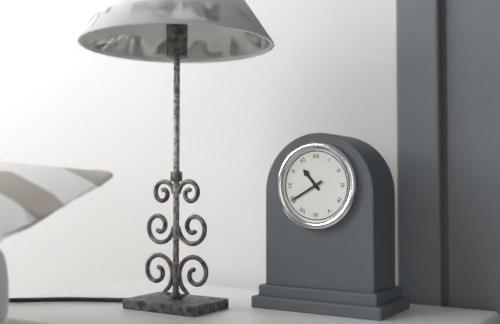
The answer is 10:40
